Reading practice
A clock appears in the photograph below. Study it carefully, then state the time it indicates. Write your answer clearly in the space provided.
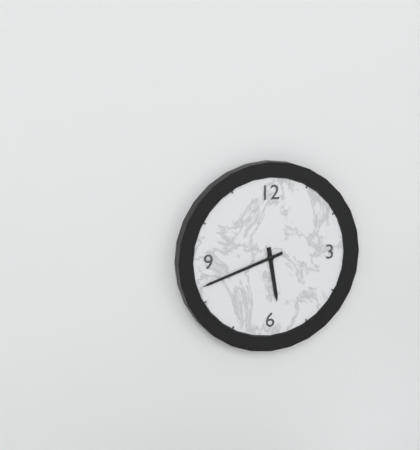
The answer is 5:42
